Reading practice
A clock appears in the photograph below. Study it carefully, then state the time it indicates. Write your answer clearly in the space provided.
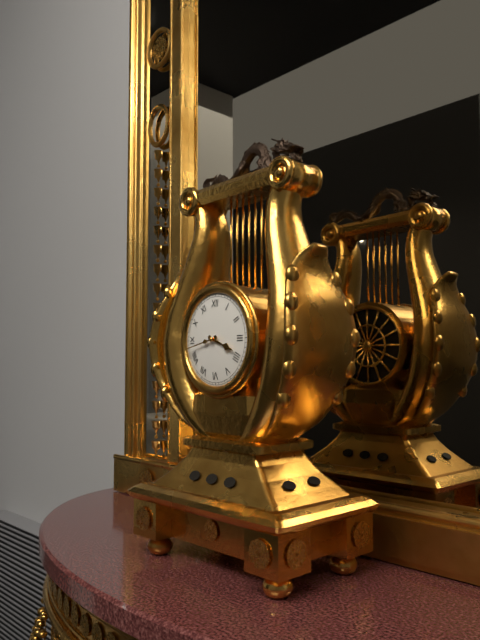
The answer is 3:43
